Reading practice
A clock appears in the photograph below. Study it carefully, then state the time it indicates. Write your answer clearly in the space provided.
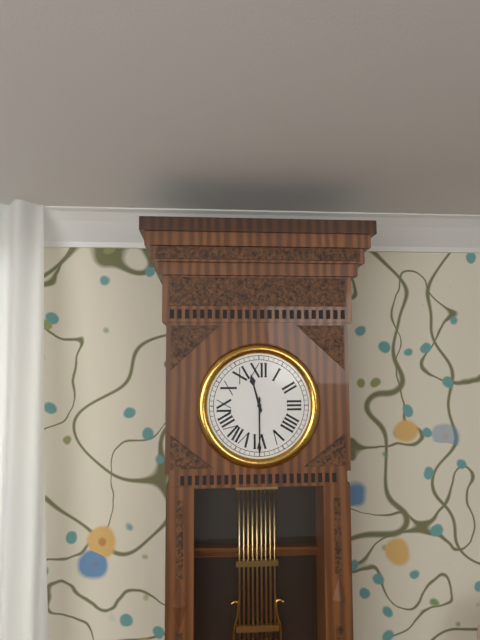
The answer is 11:30
